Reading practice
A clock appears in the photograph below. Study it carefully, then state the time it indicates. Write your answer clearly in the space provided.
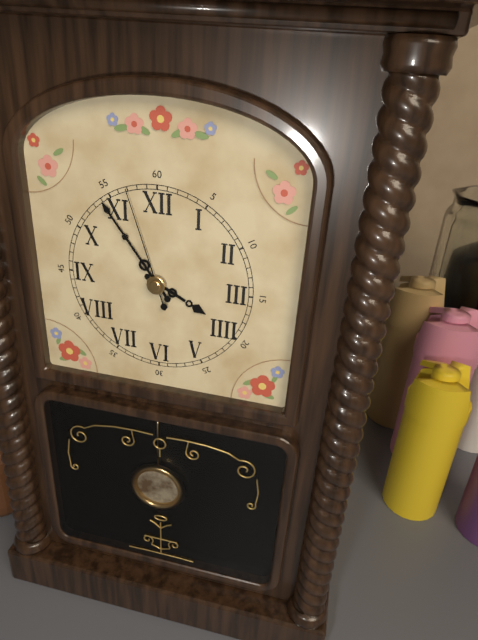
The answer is 3:54:57
